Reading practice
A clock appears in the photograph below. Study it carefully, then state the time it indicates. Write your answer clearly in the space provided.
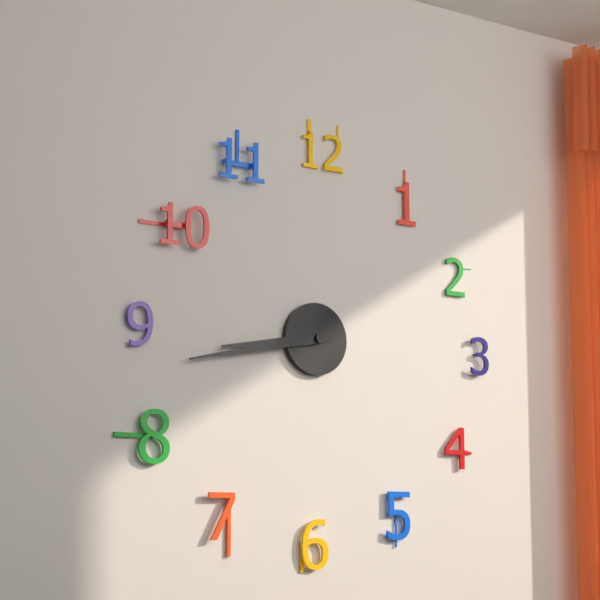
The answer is 8:43
